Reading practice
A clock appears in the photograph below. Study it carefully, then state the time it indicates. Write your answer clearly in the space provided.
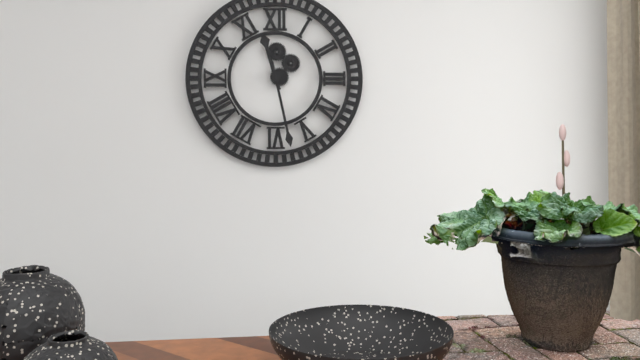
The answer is 11:28
